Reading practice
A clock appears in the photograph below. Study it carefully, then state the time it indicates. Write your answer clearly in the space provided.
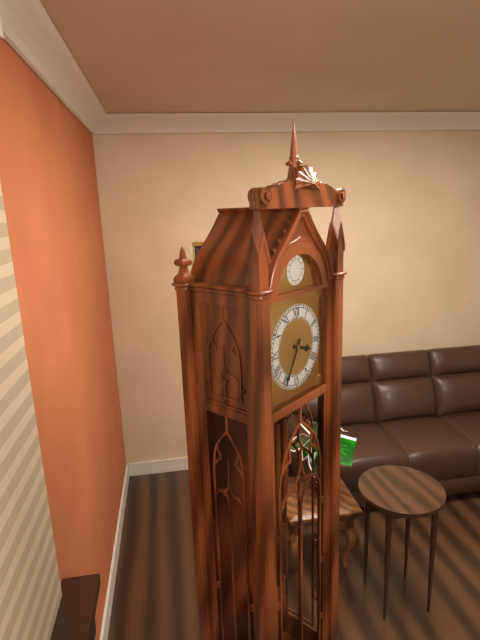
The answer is 3:35
